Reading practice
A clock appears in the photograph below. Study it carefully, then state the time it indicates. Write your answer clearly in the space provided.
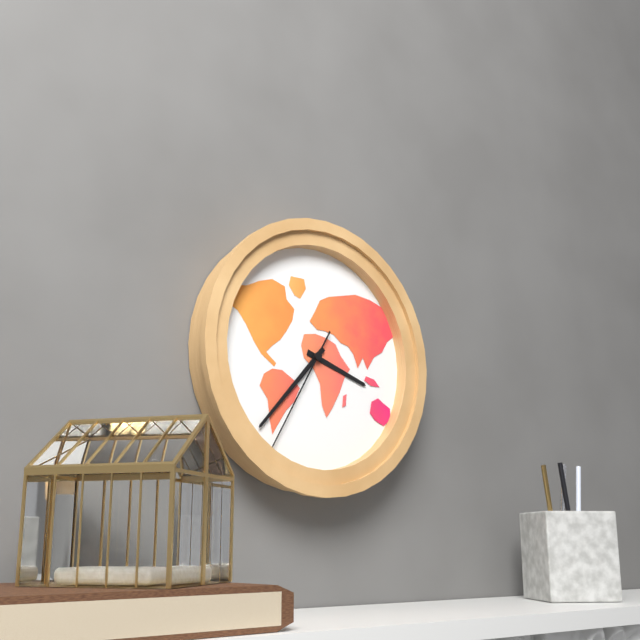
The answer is 3:37:35
